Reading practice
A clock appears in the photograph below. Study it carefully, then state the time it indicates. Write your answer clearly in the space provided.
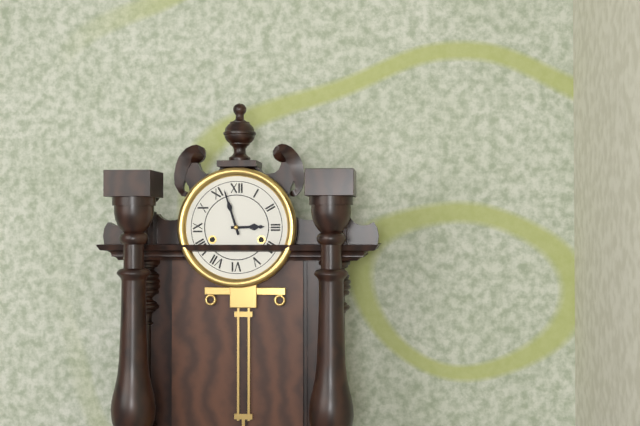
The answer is 2:57
